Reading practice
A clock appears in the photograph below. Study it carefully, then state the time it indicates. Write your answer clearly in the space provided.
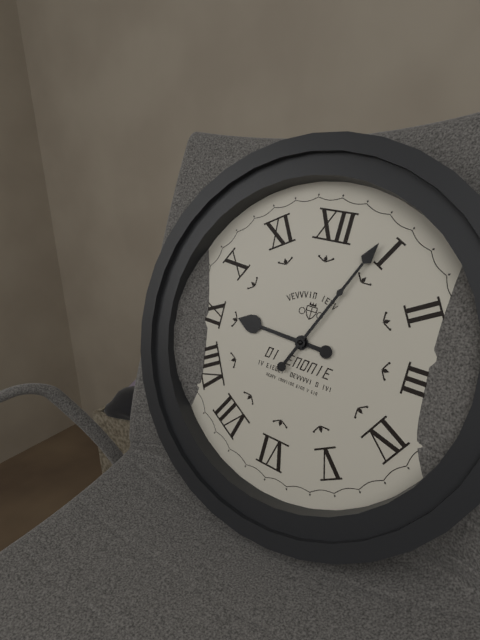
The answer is 9:04
